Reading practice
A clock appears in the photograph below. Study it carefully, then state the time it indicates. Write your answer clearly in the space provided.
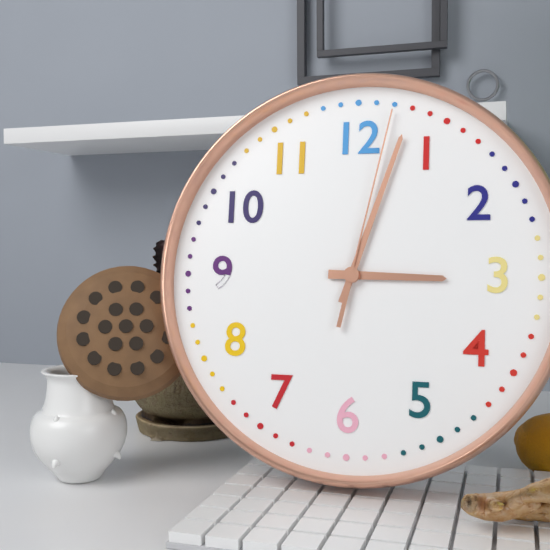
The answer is 3:03:02
